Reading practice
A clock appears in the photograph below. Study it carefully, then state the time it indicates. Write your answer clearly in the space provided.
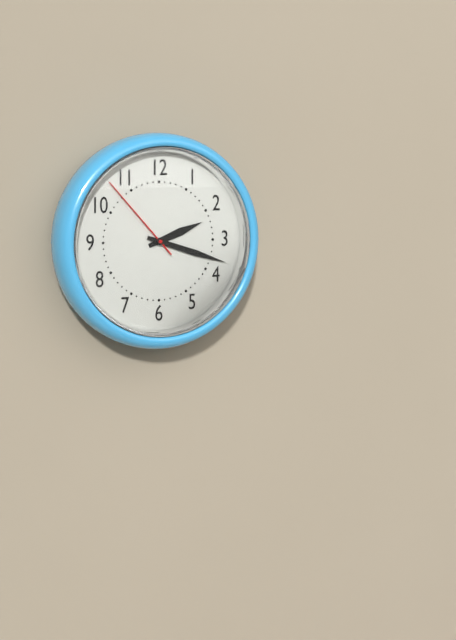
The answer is 2:18:53
